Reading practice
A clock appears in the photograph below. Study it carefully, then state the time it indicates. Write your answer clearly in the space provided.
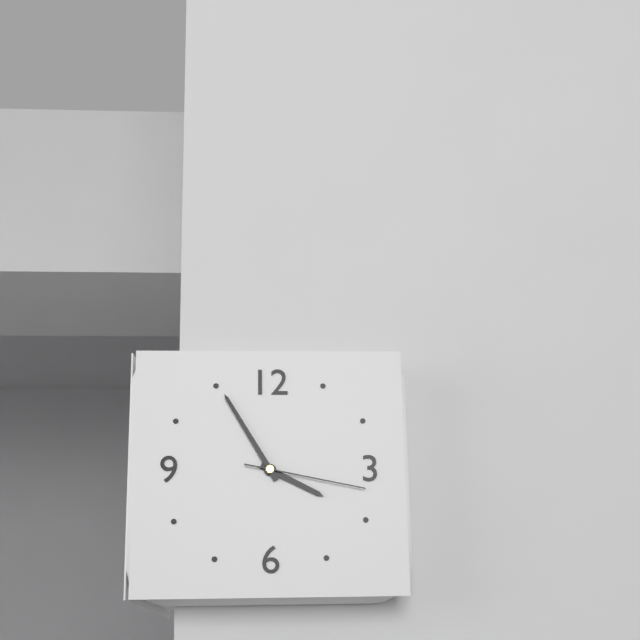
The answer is 3:55:17
